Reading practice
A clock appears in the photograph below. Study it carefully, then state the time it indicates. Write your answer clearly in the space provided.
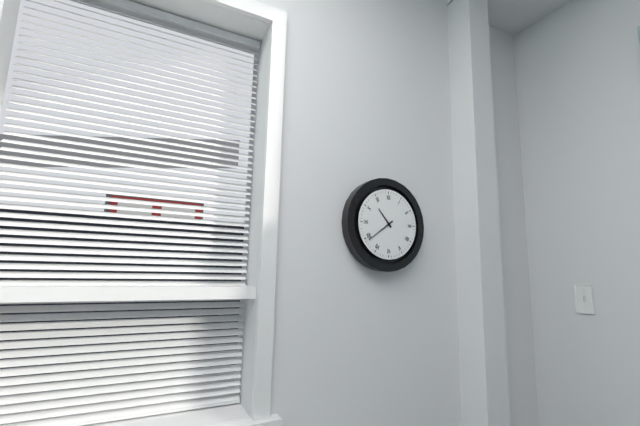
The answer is 10:39
